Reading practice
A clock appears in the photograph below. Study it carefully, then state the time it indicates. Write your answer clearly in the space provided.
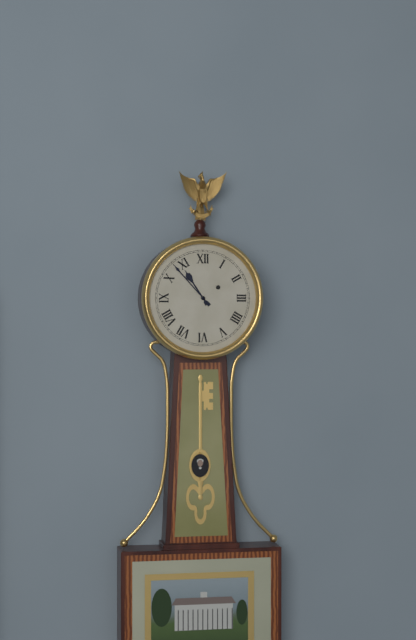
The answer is 10:53
